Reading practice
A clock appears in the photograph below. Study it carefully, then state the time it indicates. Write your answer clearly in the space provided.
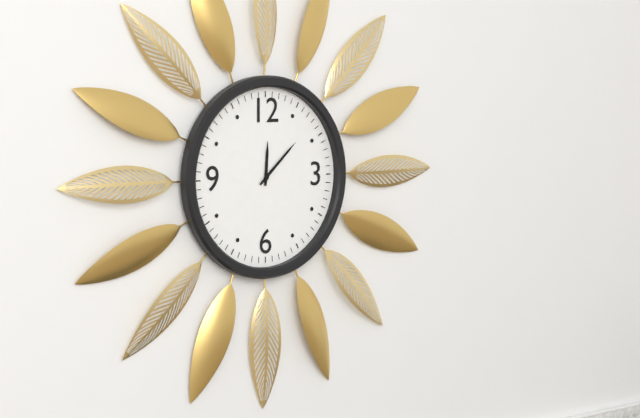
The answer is 12:08
